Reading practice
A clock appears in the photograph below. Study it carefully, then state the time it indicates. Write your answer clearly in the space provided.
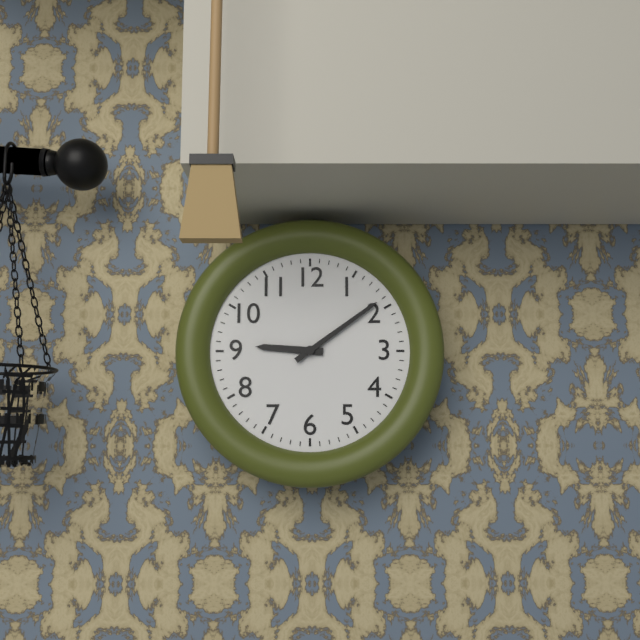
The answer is 9:09
